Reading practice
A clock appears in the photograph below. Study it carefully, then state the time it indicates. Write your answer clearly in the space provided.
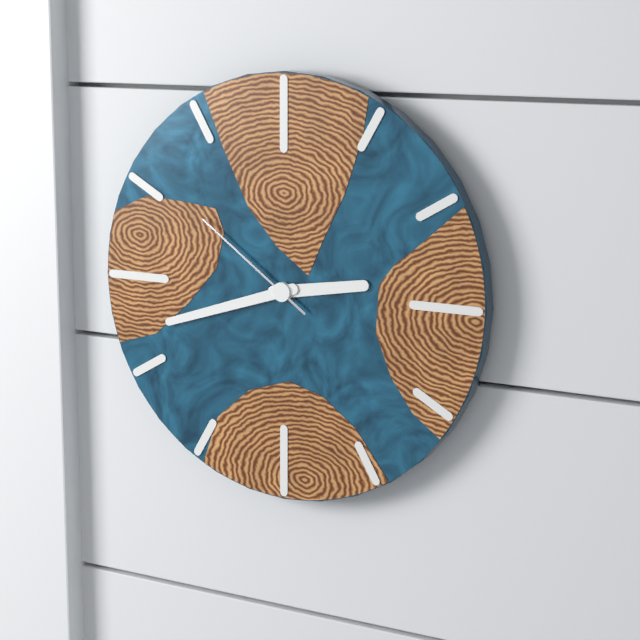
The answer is 2:42:51
